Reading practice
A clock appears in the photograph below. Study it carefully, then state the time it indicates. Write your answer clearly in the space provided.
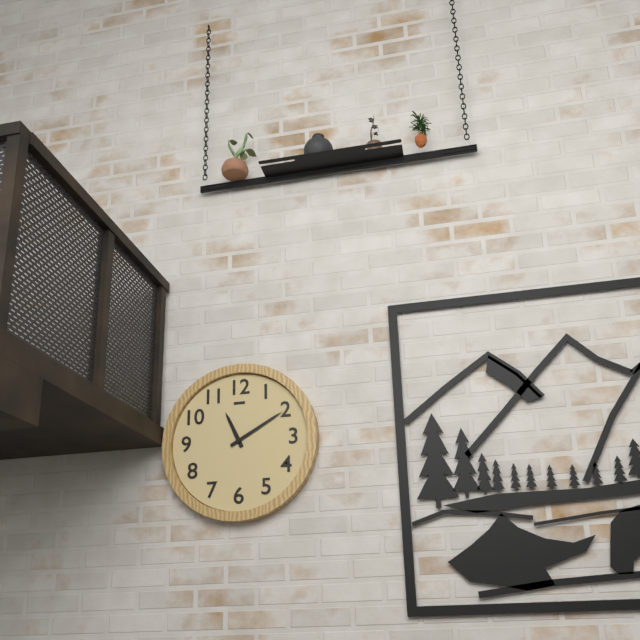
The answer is 11:10
